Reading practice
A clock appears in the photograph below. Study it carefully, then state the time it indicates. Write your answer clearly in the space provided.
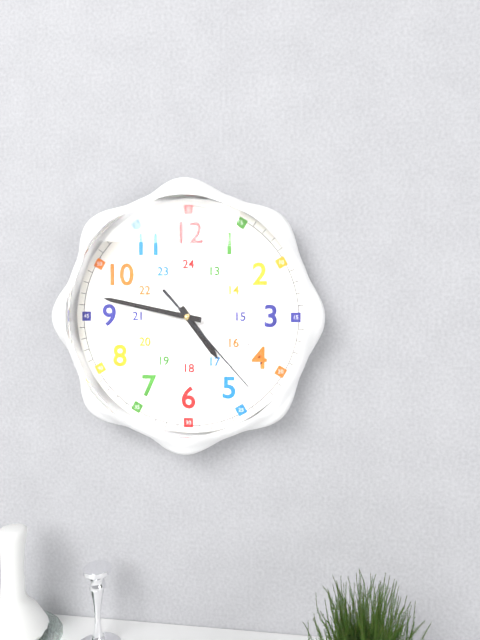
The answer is 4:47:23
